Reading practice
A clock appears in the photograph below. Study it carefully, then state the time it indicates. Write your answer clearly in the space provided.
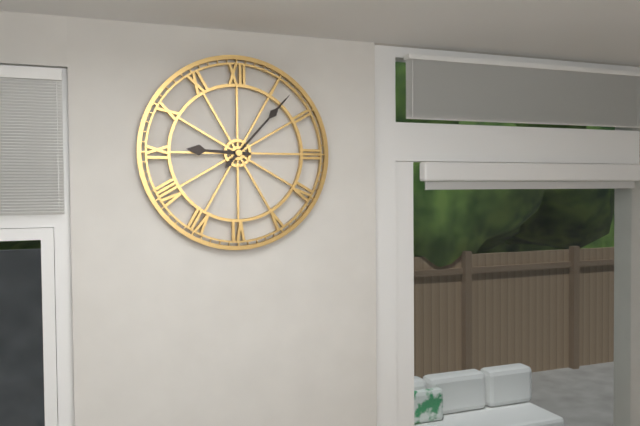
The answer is 9:07
